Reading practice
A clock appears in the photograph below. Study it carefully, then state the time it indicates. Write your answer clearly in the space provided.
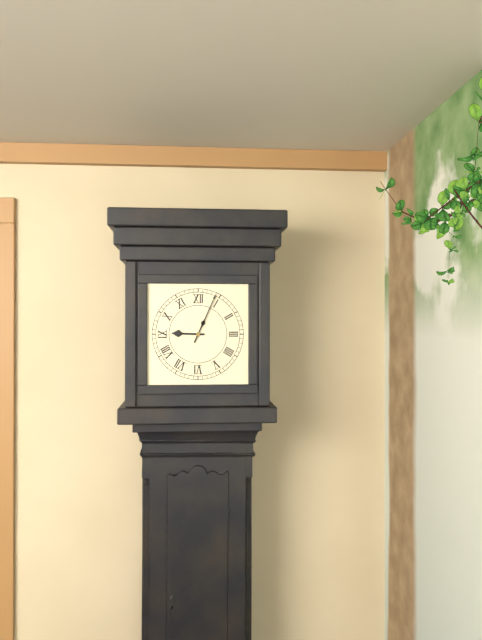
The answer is 9:04
